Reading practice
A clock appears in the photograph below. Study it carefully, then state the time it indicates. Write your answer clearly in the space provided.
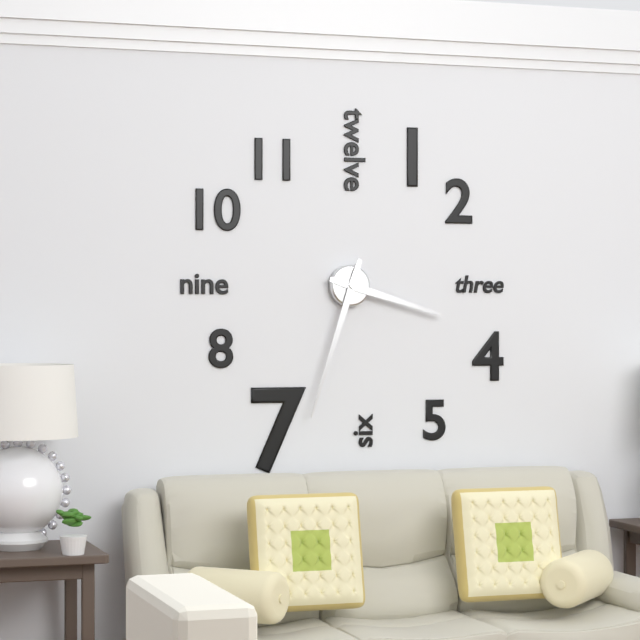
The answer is 3:33
